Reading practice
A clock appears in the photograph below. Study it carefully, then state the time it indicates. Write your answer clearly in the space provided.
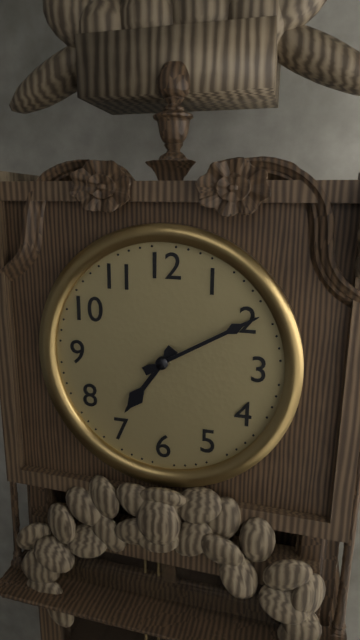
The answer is 7:10
